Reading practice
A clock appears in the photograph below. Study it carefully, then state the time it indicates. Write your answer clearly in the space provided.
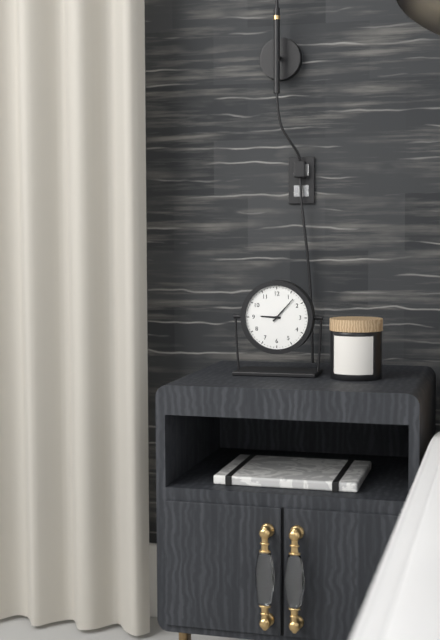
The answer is 9:07
